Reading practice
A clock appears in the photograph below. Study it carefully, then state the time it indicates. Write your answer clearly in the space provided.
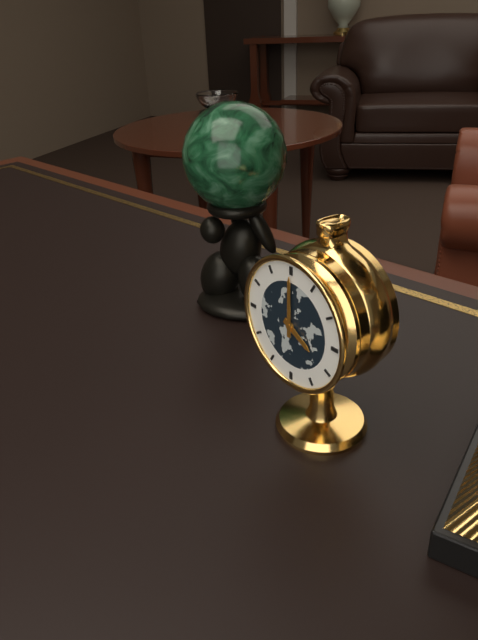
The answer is 4:00
